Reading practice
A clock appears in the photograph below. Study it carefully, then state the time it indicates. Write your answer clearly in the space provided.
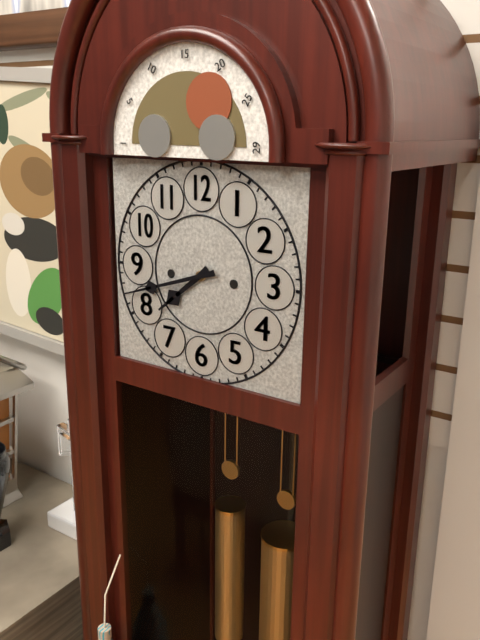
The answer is 7:42
